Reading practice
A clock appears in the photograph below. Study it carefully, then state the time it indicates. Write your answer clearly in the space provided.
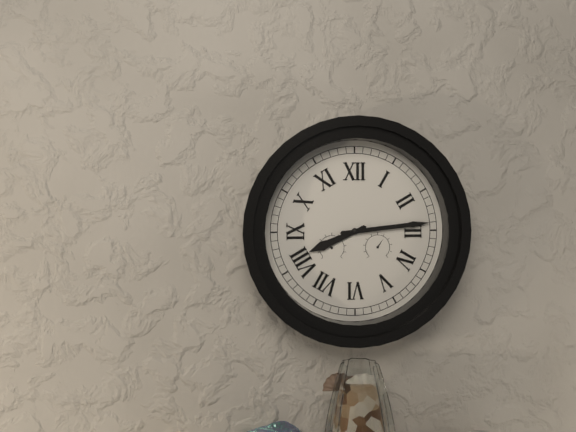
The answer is 8:14
